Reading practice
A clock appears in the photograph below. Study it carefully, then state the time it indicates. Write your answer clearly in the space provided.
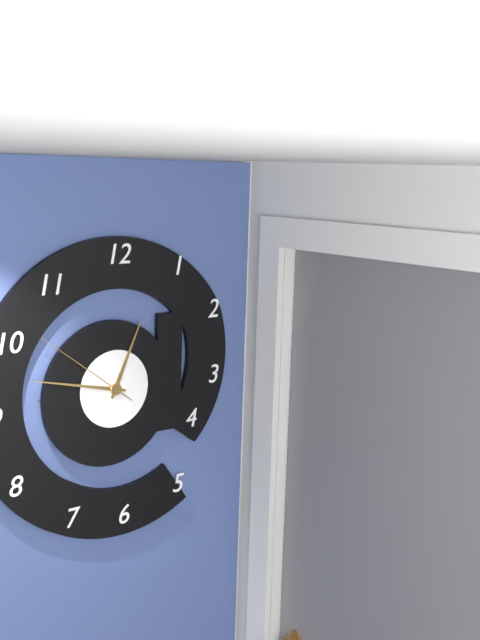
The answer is 12:47:51
